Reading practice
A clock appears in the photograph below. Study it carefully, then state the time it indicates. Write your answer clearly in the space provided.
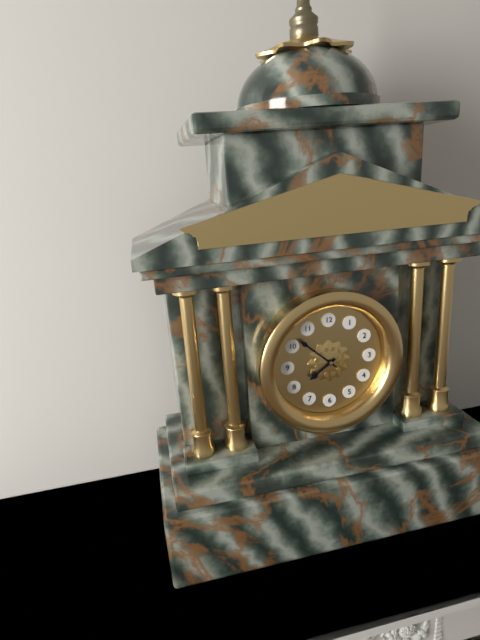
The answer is 7:52
